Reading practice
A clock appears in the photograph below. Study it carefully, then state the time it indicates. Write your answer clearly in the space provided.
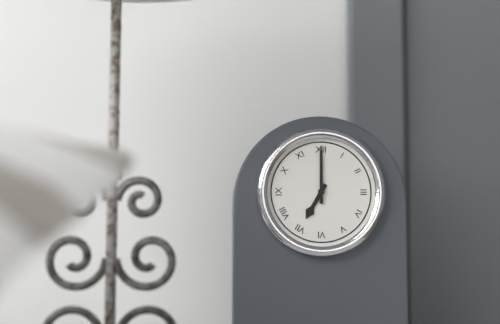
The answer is 7:00
